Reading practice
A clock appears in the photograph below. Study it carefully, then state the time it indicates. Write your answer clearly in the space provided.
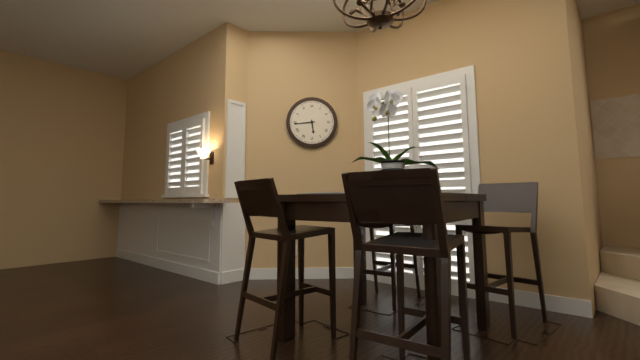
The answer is 5:44
